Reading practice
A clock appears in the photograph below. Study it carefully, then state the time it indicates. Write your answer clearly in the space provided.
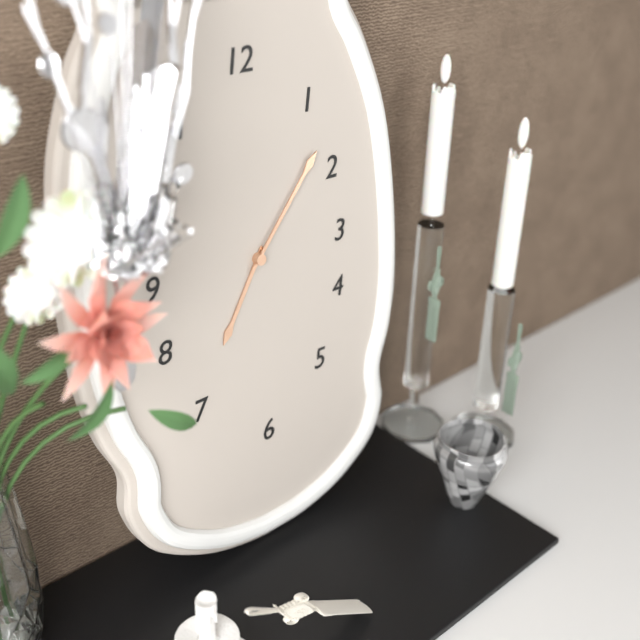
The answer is 7:07
